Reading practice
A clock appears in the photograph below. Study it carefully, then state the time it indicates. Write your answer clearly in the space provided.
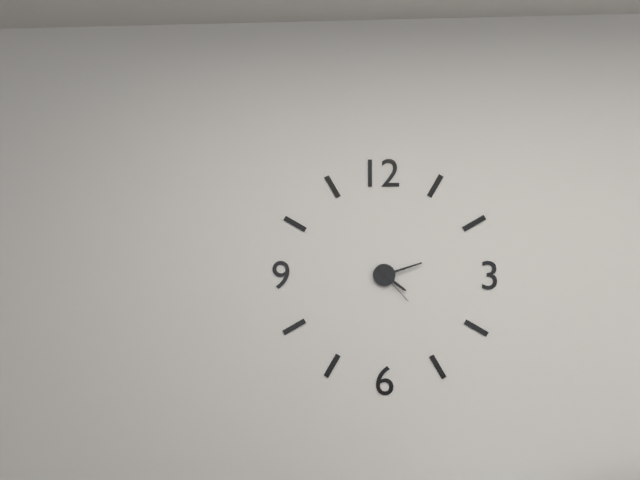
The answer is 4:12
